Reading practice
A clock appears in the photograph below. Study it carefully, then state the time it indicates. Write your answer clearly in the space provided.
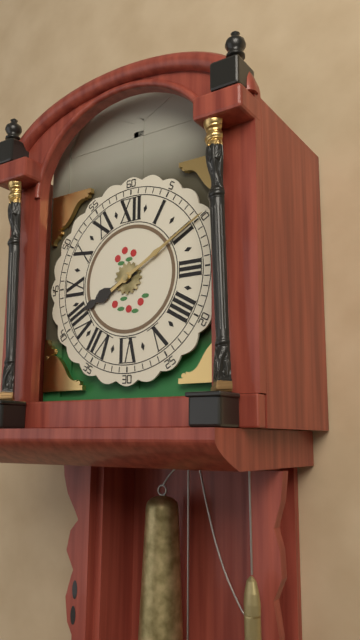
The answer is 8:10
